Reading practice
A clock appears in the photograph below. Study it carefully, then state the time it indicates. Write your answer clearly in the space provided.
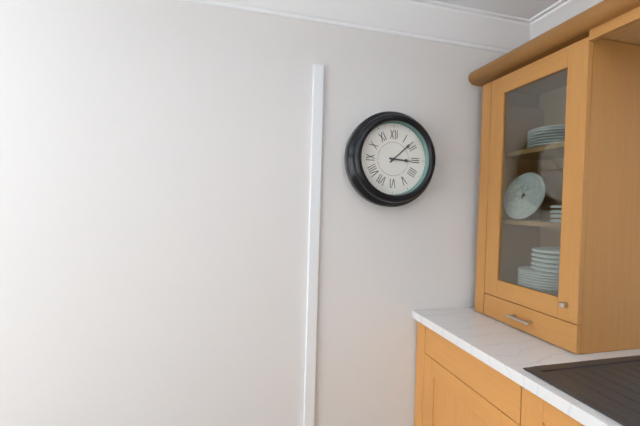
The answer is 3:08
